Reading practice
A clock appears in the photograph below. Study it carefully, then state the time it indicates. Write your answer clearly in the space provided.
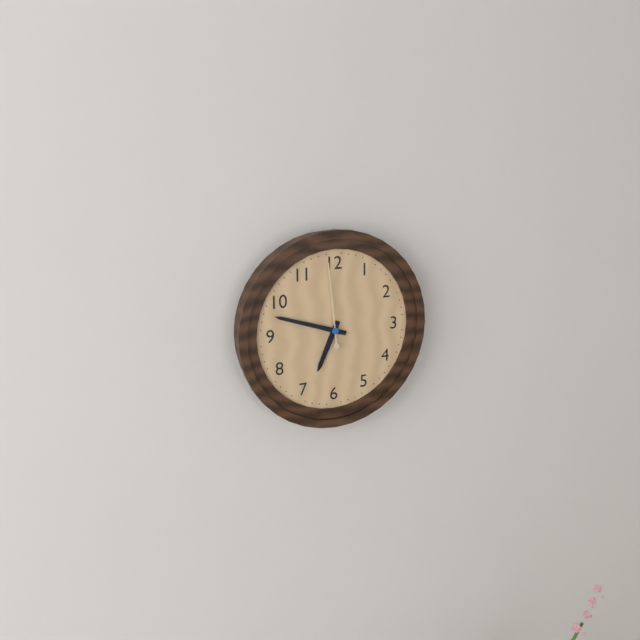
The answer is 6:48:59
